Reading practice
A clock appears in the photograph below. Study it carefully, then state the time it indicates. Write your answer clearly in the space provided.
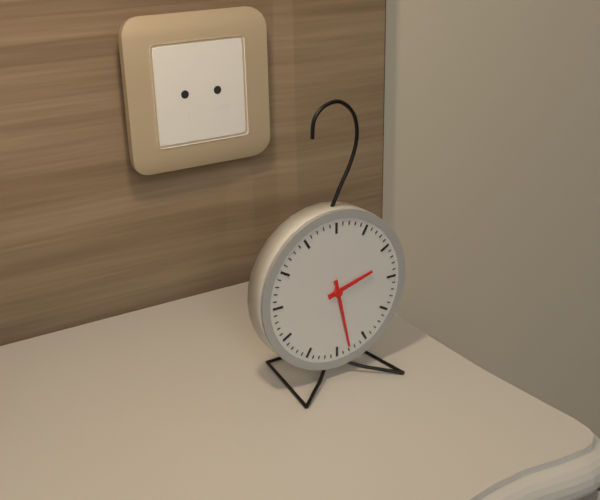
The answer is 2:28
